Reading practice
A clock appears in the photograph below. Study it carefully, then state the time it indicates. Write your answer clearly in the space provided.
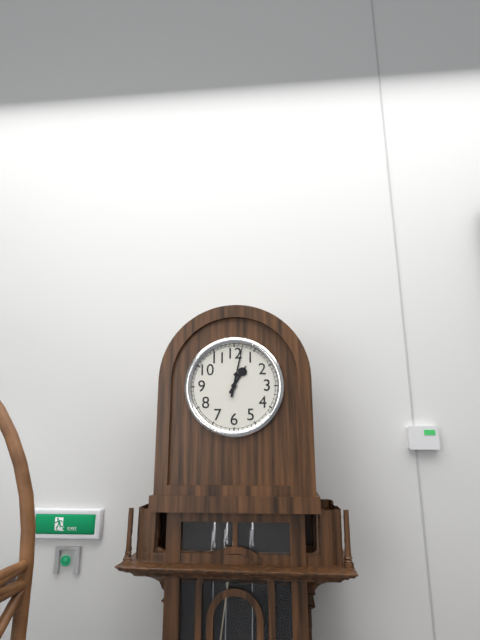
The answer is 1:02
